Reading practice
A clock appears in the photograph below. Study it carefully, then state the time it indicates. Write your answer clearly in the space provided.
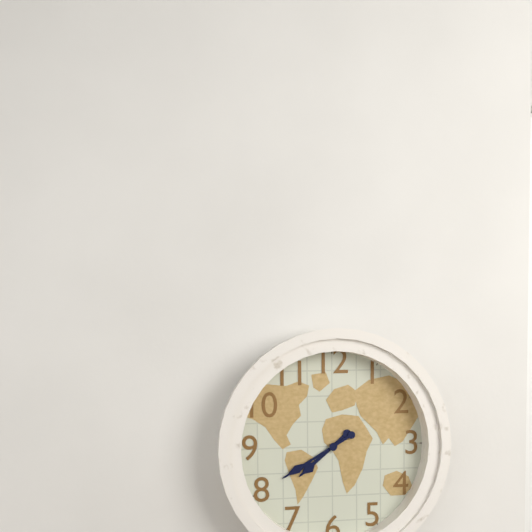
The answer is 7:40
